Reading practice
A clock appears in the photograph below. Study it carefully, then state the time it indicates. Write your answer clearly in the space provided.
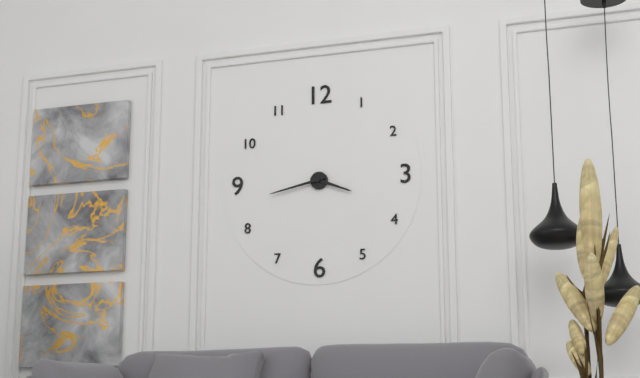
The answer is 3:43
